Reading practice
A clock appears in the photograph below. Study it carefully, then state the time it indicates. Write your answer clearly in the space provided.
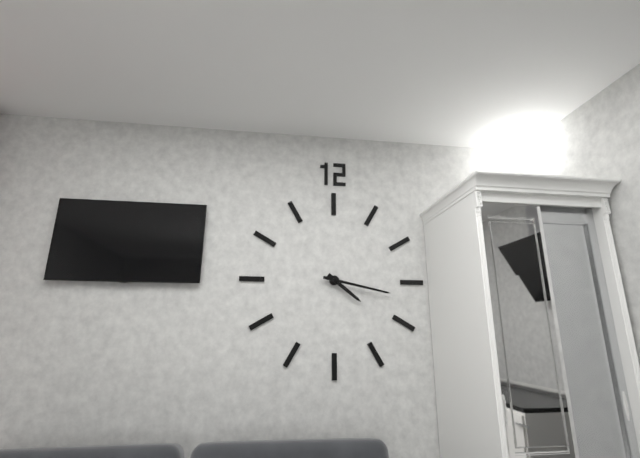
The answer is 4:17
